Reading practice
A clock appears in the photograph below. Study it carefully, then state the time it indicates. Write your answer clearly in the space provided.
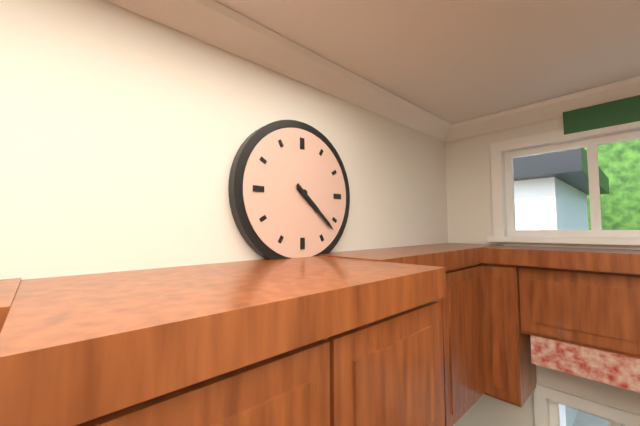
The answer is 4:22
